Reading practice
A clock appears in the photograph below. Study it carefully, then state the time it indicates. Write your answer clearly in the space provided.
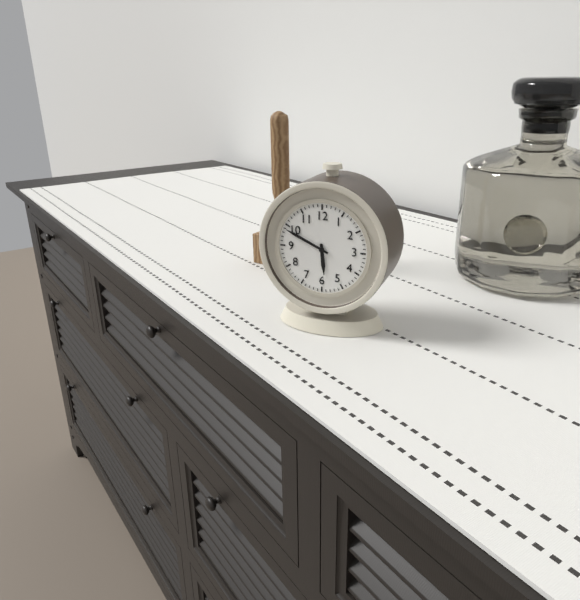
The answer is 5:49
